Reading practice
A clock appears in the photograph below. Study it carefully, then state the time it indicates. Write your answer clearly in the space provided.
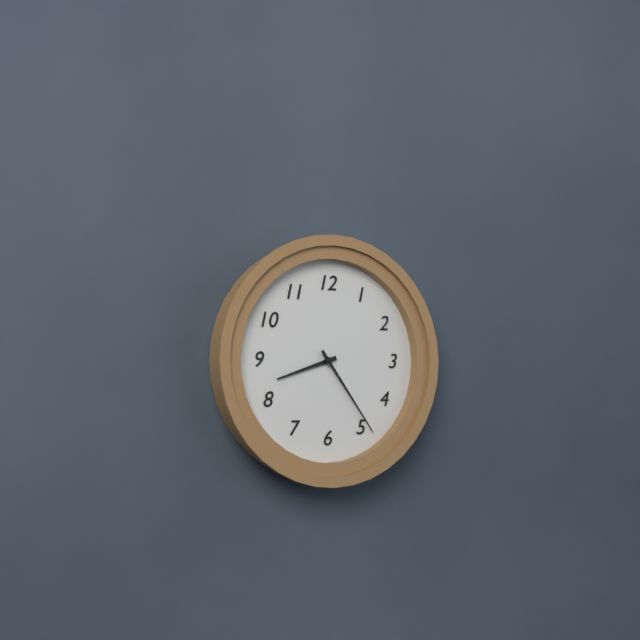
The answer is 8:24
